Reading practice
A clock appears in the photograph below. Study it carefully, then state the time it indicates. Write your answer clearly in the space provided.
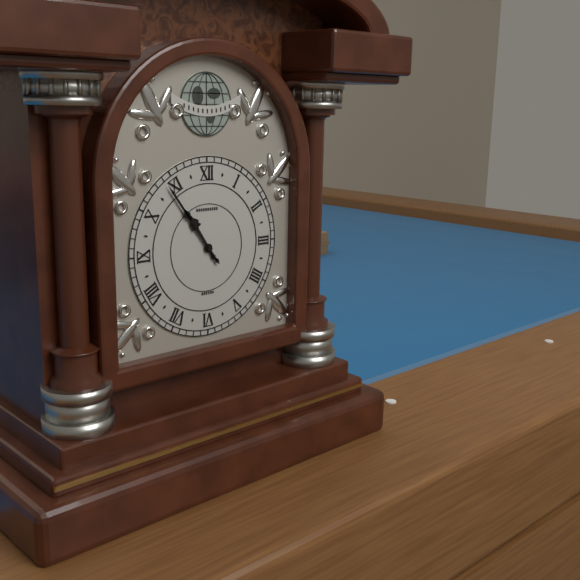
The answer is 10:54
